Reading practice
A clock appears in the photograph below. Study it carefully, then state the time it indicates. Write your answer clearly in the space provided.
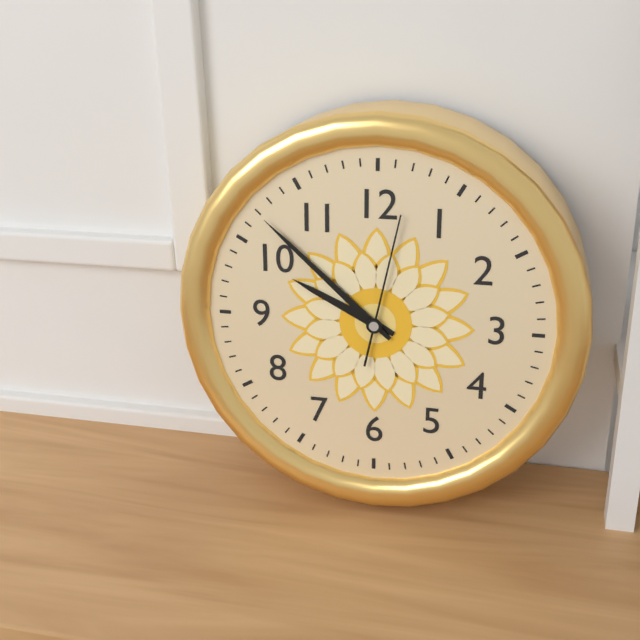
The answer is 9:52:02
